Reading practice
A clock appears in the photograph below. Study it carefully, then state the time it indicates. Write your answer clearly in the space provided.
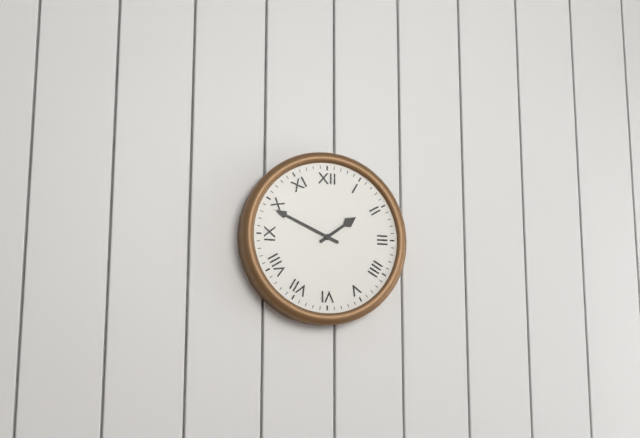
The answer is 1:49
